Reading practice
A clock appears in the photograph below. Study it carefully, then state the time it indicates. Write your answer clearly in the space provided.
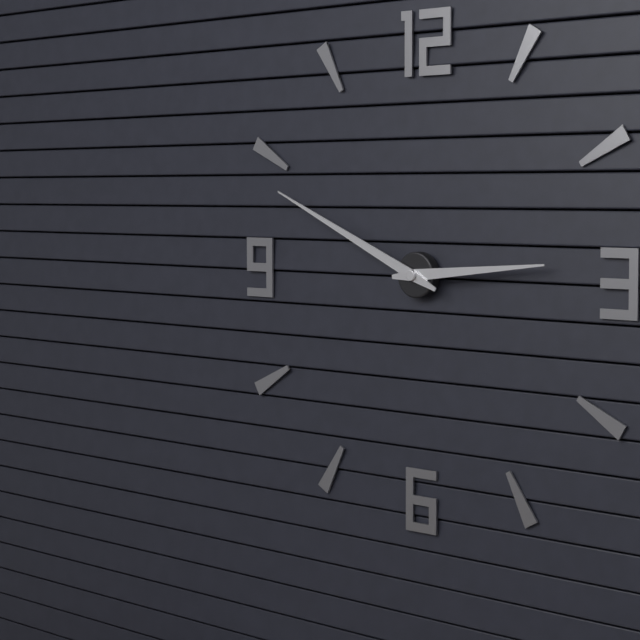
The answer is 2:49
